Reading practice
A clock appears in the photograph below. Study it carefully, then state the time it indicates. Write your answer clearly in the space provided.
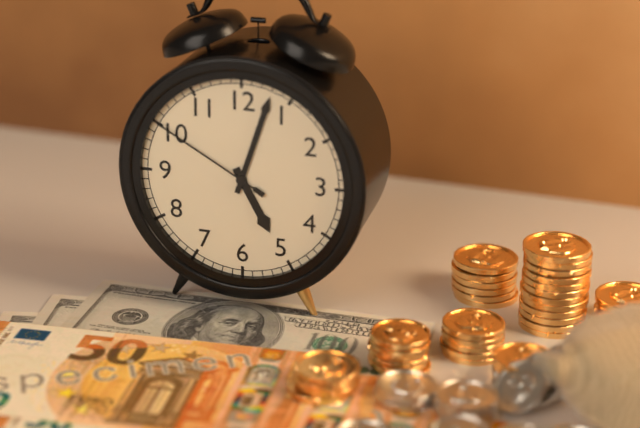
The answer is 5:03:50
